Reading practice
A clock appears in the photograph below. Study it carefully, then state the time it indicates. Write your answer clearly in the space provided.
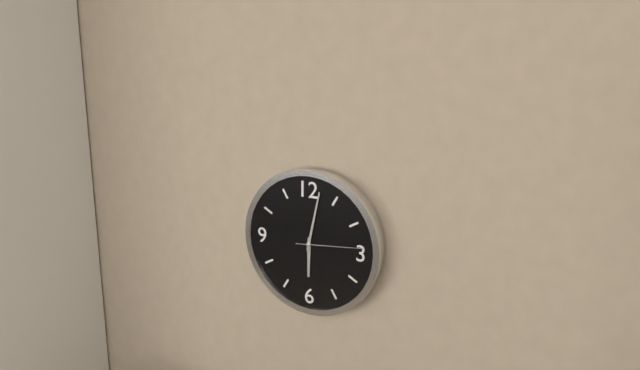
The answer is 6:02:14
